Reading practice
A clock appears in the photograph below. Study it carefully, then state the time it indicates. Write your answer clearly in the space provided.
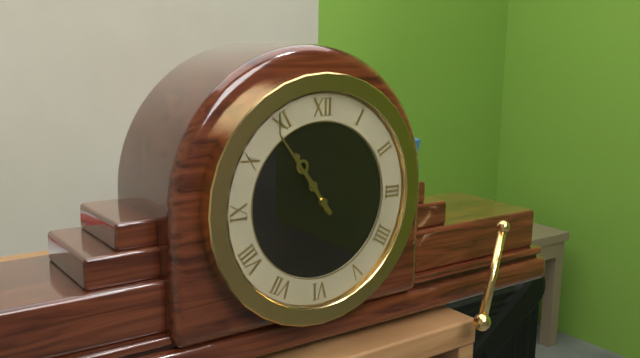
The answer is 10:54
